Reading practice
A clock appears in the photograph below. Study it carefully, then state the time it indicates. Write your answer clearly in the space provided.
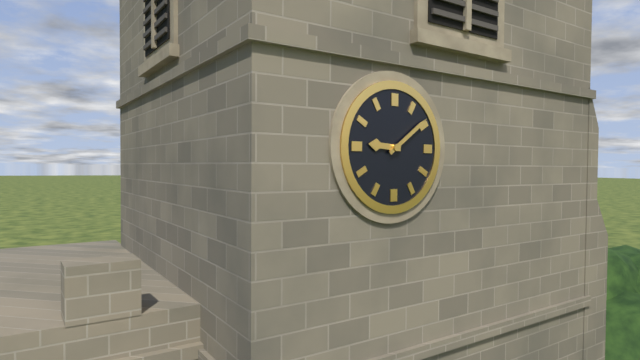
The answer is 9:09
